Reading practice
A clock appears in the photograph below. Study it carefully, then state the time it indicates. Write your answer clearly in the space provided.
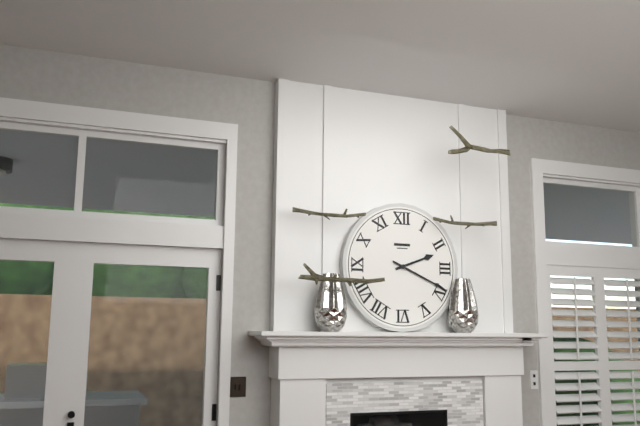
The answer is 2:19
